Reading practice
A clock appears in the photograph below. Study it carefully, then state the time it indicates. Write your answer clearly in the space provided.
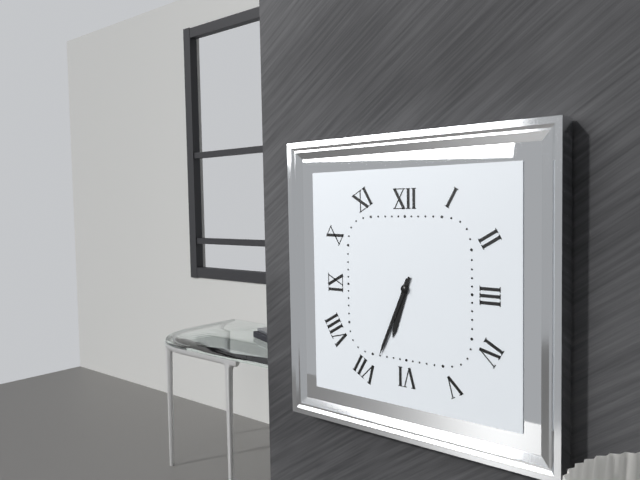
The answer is 6:34
